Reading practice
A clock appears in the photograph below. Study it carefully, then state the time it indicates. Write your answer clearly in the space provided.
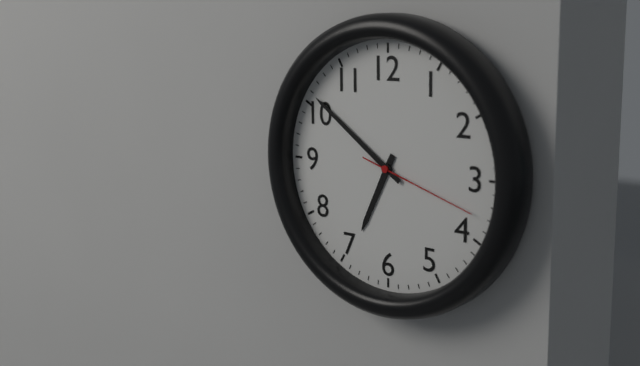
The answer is 6:51:18
